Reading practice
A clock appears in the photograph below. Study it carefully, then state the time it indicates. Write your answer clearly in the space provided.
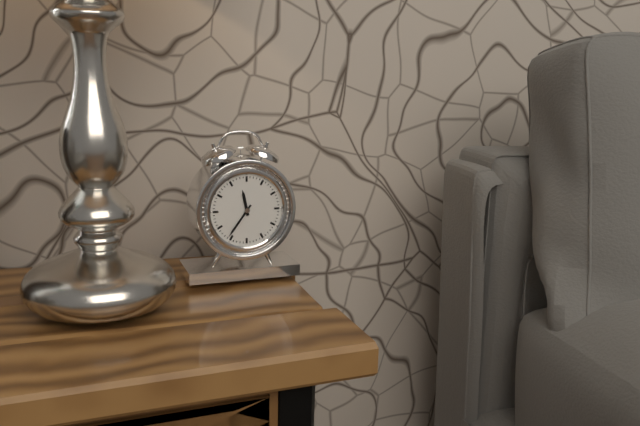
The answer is 11:36
